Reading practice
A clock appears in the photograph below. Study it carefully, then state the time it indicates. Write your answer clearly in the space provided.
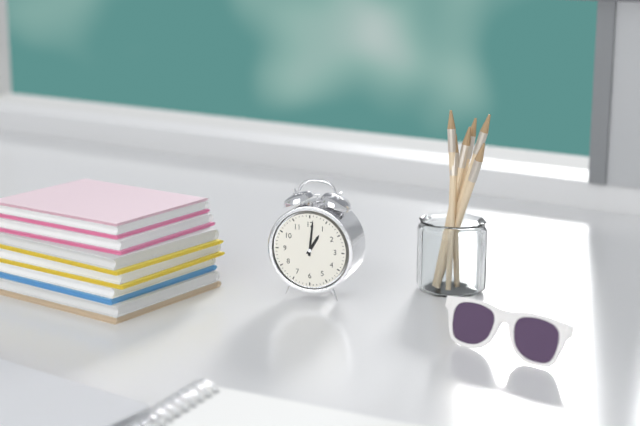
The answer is 1:01
